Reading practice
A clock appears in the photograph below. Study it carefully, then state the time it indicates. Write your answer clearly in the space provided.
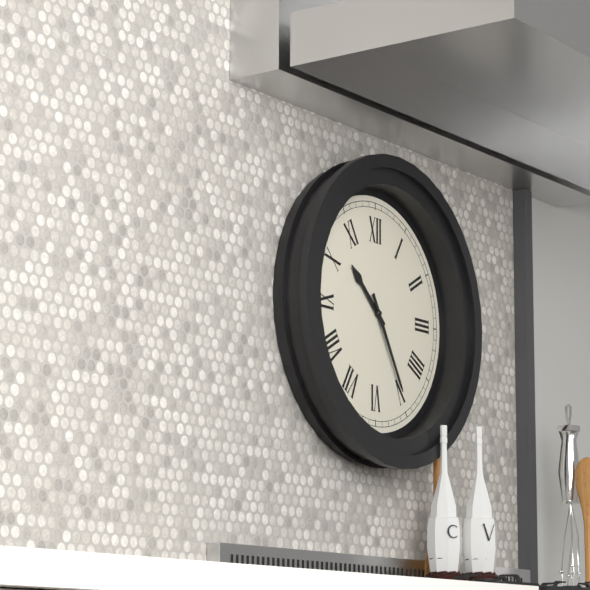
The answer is 10:25
